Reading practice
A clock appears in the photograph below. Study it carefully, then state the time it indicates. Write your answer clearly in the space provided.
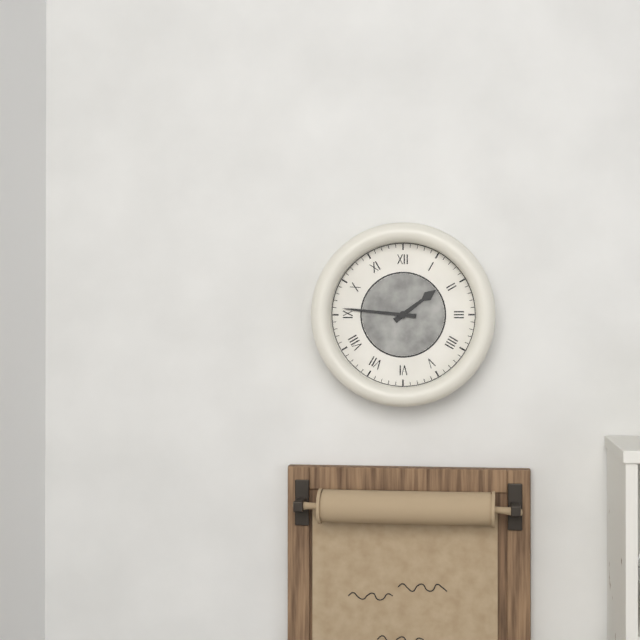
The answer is 1:46
